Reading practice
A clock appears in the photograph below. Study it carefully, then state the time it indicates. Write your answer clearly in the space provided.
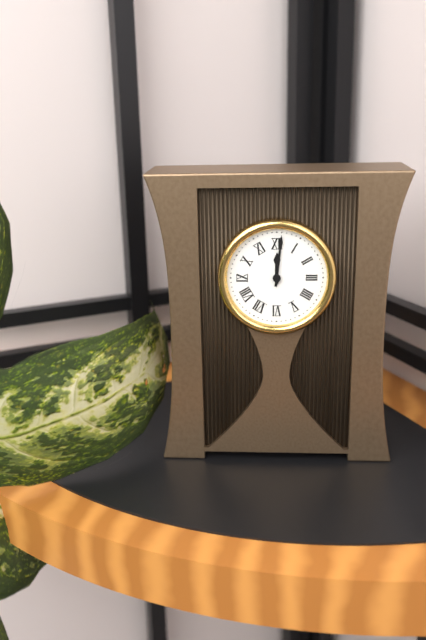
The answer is 12:01
